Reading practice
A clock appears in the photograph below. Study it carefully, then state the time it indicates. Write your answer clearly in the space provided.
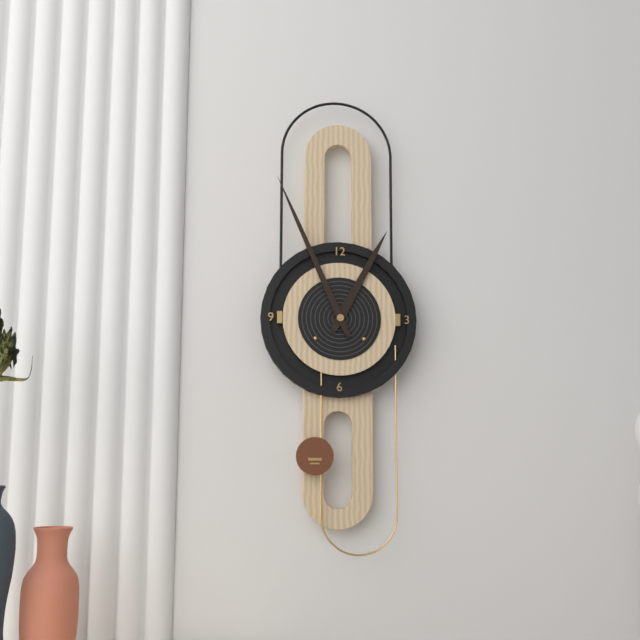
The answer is 12:56
